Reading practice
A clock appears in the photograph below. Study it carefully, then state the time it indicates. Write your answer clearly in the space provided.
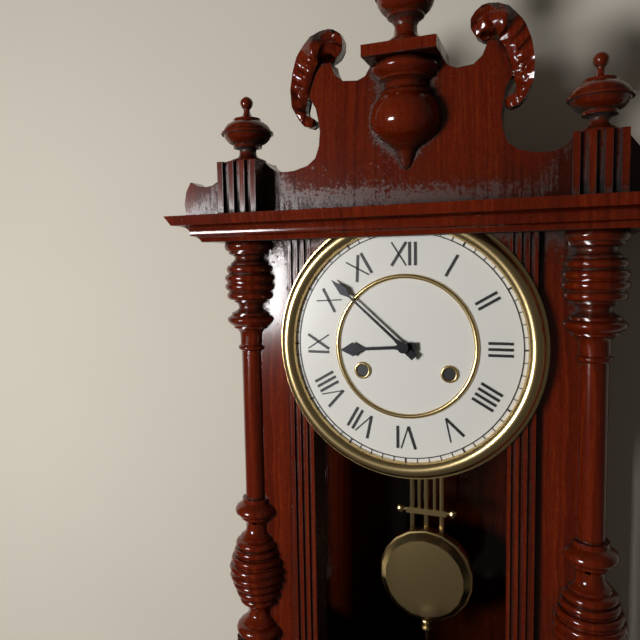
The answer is 8:52
